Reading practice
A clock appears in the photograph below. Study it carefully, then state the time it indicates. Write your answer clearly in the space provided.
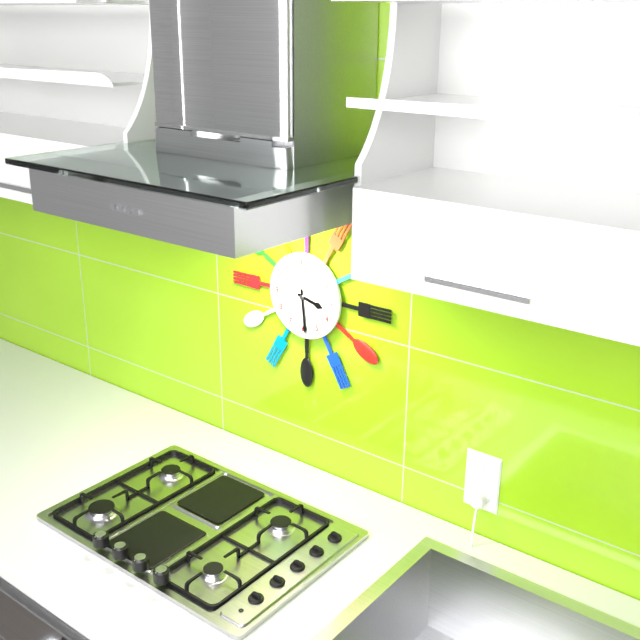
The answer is 3:29
